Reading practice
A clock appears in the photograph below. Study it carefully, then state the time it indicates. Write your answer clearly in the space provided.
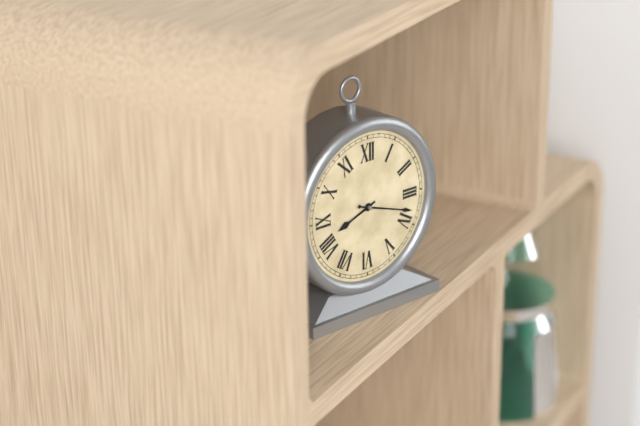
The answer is 8:18
